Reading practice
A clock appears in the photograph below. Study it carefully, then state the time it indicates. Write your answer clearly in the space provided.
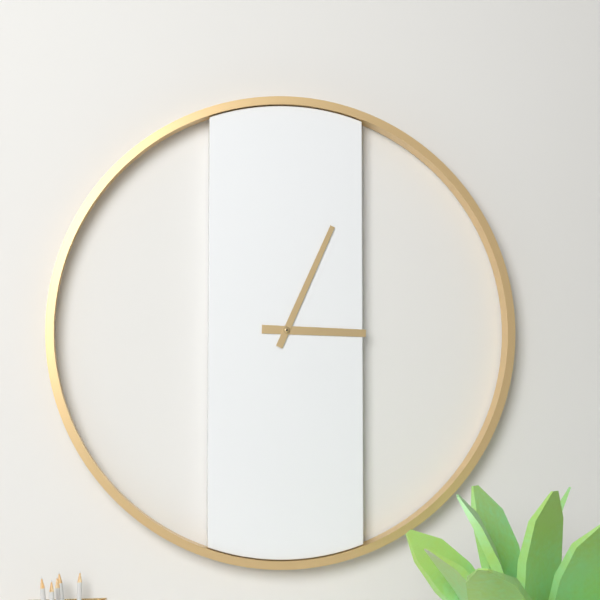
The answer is 3:04
